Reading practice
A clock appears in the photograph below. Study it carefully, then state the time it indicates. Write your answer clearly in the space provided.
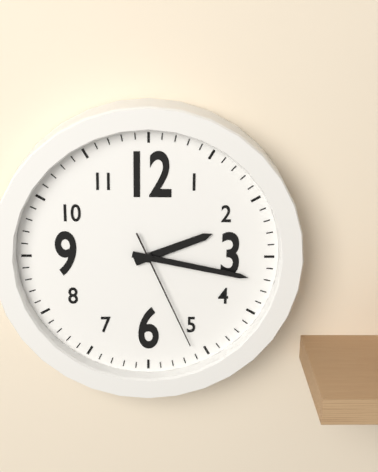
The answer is 2:17:26
